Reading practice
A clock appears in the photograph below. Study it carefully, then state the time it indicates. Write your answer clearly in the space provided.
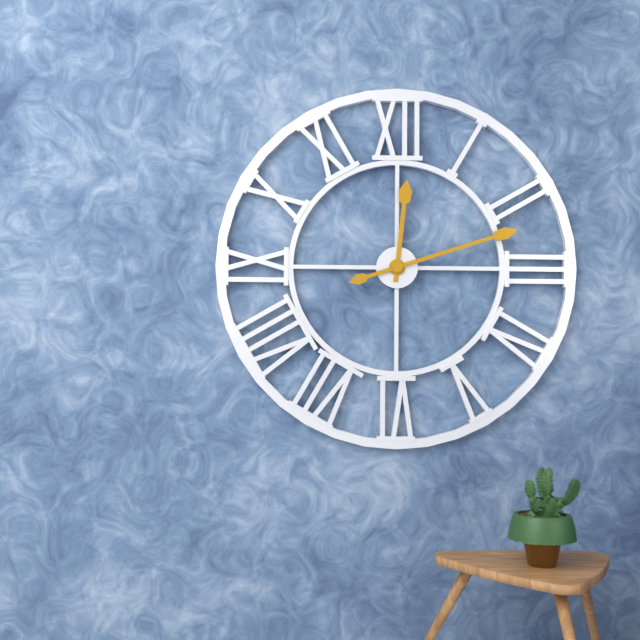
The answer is 12:12
